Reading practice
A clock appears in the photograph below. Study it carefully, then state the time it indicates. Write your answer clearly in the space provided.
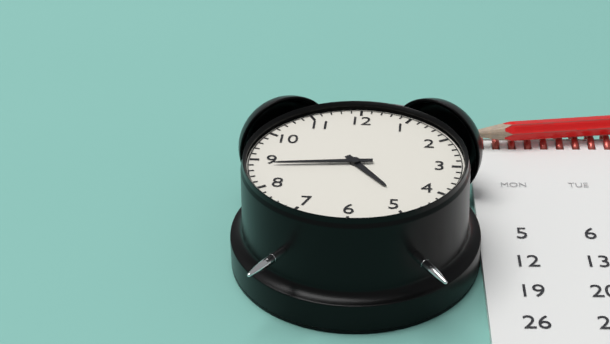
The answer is 4:44
